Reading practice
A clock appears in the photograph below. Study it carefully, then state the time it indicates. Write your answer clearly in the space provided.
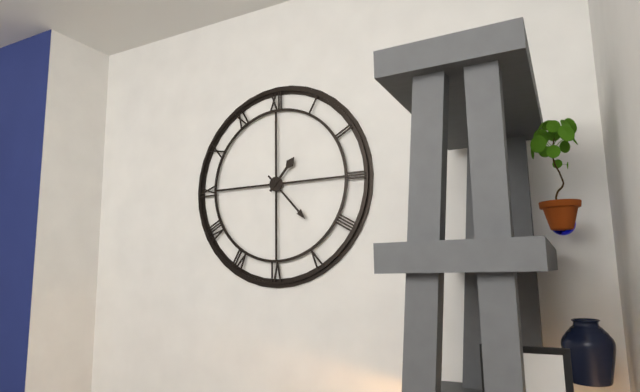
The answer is 1:23
